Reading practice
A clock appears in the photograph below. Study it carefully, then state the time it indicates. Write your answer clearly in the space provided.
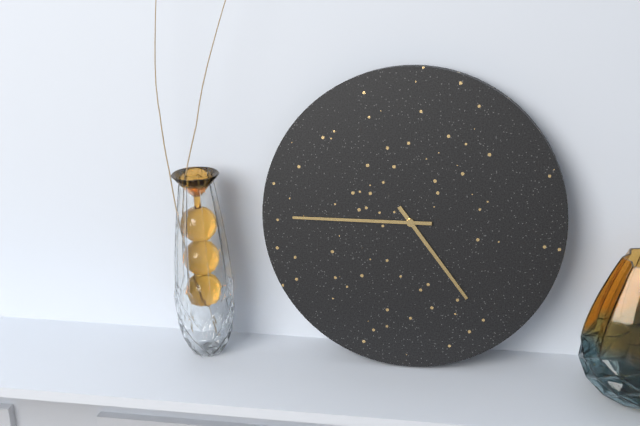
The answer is 4:45
